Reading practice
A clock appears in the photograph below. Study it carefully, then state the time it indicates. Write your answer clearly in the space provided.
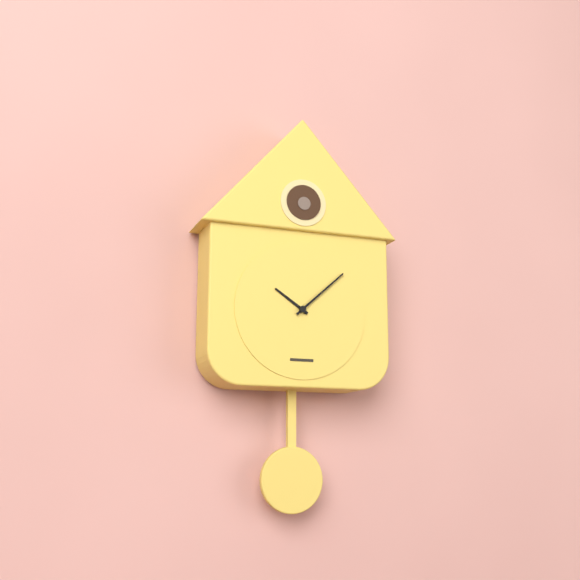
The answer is 10:08
